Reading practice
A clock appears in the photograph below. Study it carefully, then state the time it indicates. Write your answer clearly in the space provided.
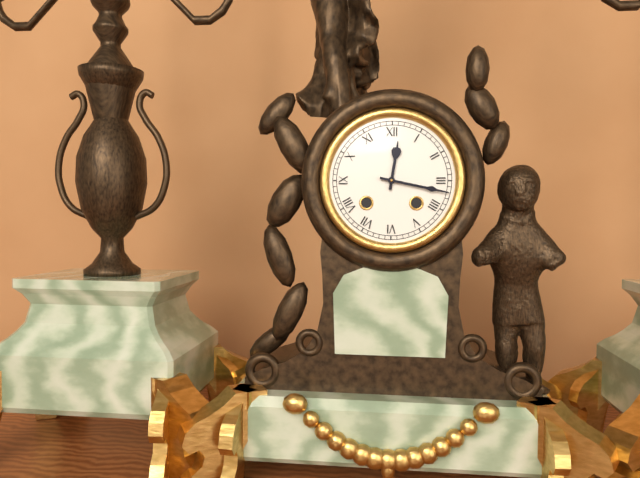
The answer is 12:17
